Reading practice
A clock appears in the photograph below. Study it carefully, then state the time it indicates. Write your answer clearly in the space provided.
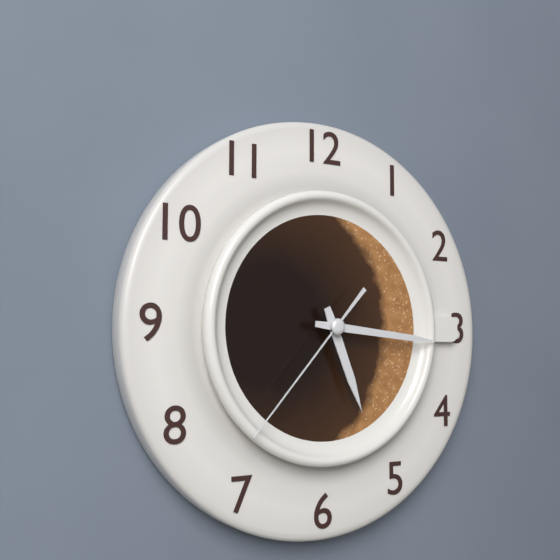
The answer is 5:16:37
